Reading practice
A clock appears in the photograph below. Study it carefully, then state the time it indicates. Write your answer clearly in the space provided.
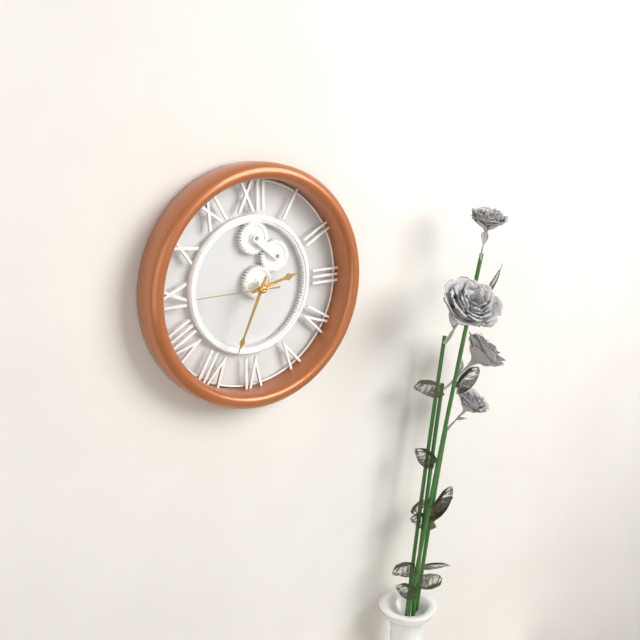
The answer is 2:34:45
